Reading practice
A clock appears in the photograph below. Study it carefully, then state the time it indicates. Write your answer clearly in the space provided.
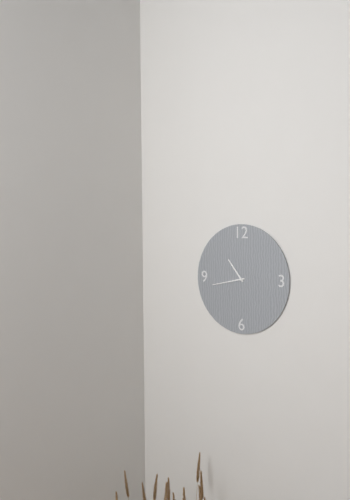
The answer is 10:43
